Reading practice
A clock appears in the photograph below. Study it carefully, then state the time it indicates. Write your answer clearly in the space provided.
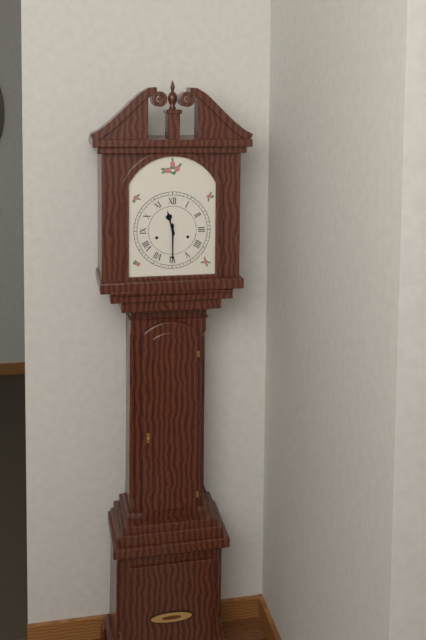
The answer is 11:30
